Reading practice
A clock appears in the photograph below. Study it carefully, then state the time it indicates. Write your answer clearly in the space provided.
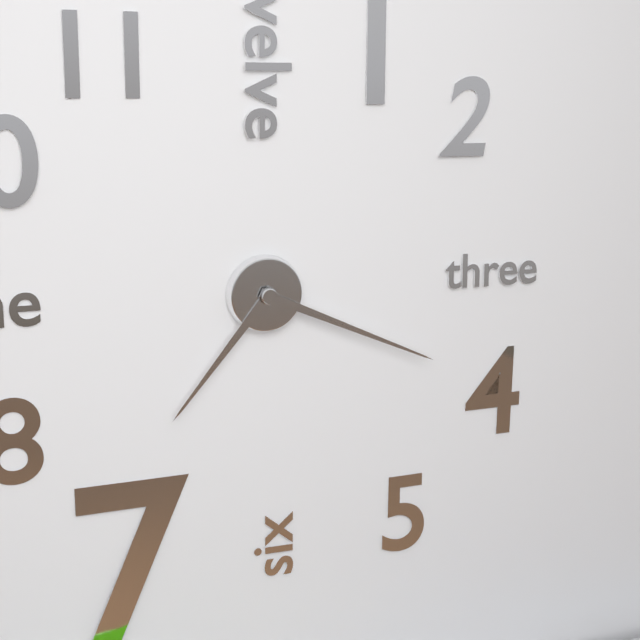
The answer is 7:19
